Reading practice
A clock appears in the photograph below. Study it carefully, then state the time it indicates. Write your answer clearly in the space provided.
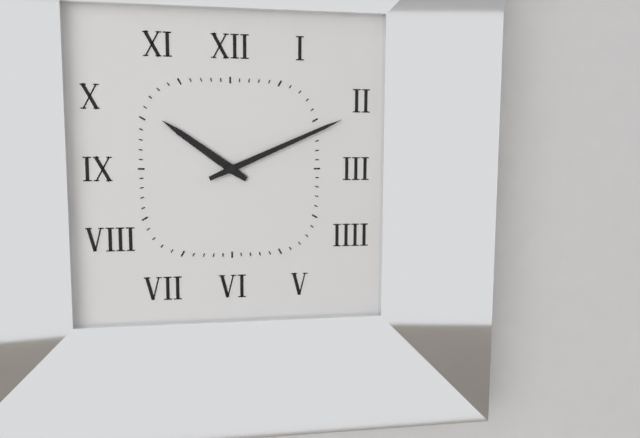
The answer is 10:11
